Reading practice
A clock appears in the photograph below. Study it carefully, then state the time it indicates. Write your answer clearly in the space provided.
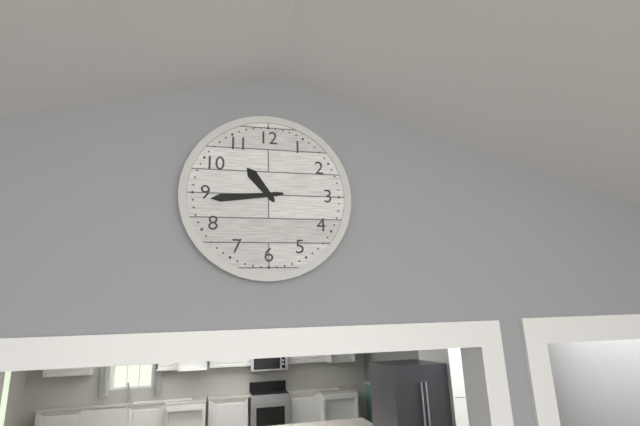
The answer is 10:44
